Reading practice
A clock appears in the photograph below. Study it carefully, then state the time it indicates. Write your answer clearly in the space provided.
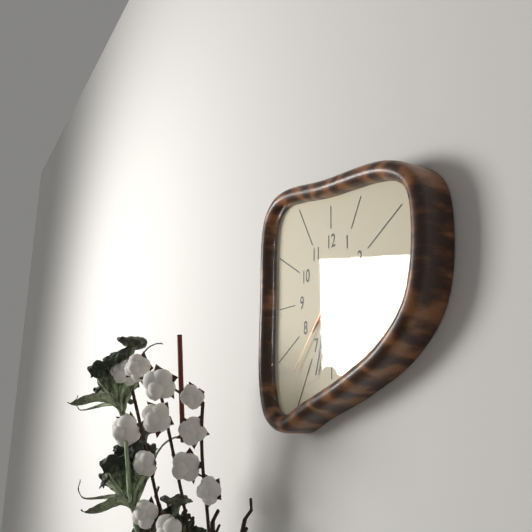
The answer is 7:33:37
